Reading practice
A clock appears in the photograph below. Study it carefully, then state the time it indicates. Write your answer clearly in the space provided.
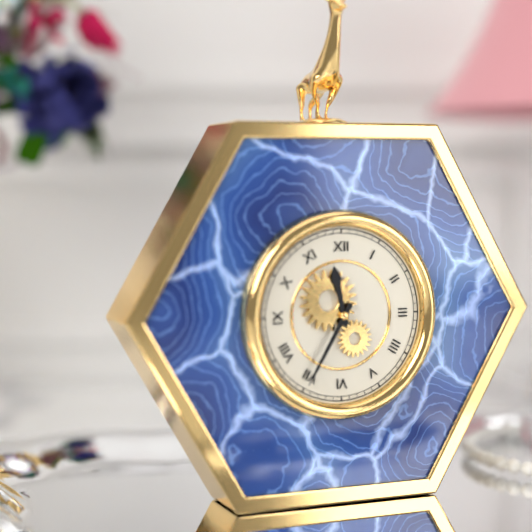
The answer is 11:35
